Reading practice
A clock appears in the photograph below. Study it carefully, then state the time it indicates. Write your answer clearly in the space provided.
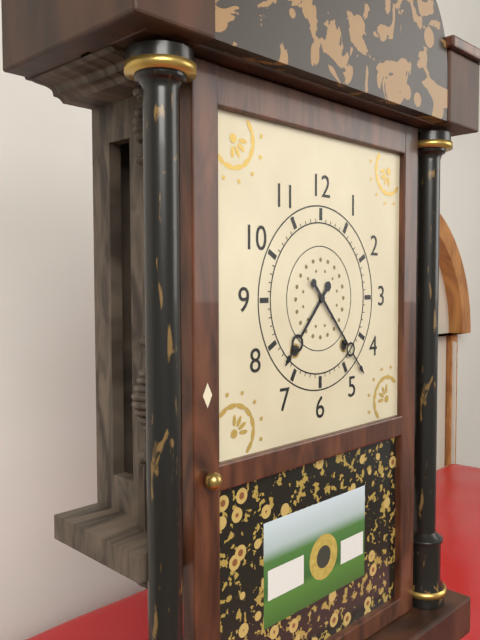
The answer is 7:23
